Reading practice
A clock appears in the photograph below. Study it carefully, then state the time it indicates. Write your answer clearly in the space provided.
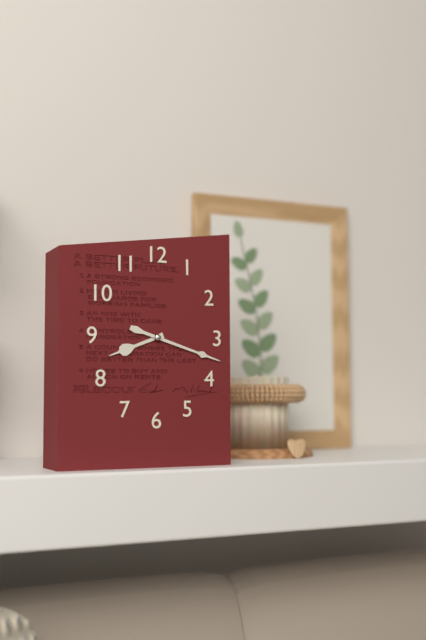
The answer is 8:18
